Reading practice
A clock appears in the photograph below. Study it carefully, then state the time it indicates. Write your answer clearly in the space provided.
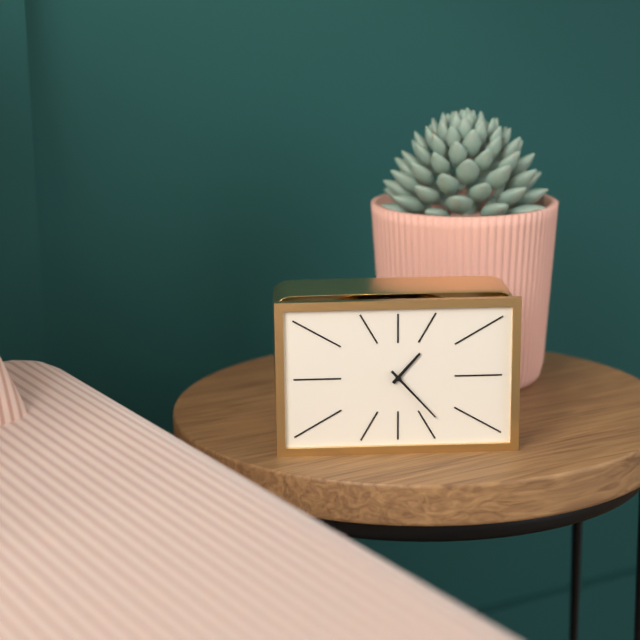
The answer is 1:23
